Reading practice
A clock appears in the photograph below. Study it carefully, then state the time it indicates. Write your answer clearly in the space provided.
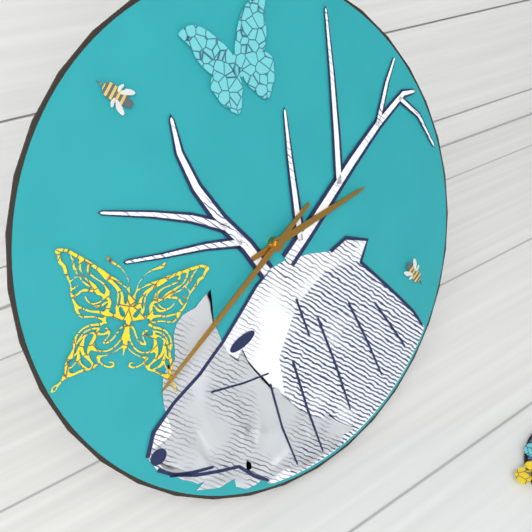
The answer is 2:40
